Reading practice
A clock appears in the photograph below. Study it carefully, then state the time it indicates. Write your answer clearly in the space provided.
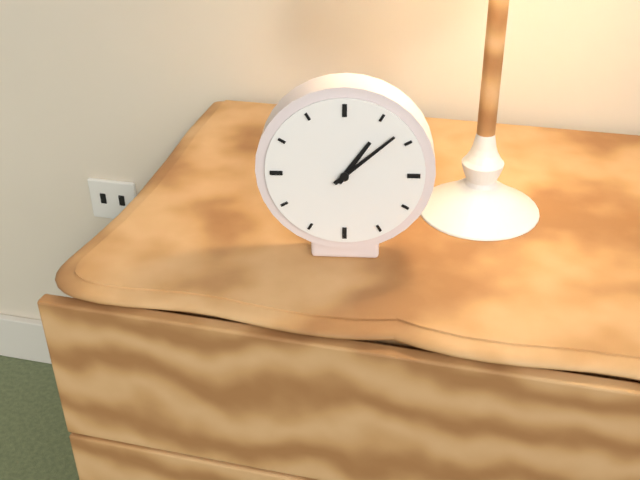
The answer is 1:08
